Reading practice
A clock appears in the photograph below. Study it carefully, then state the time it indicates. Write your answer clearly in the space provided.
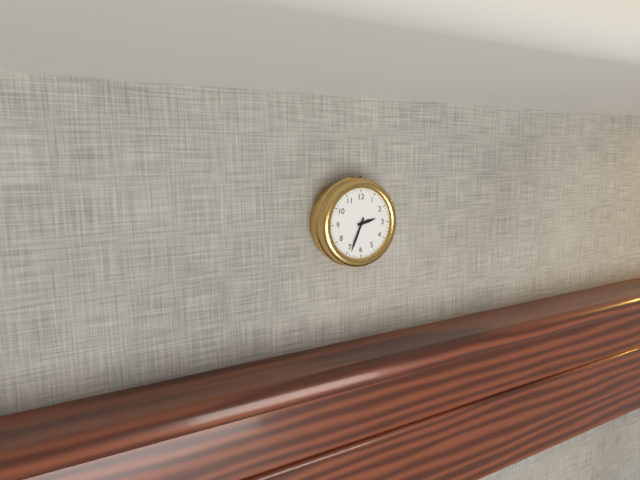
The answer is 2:34
